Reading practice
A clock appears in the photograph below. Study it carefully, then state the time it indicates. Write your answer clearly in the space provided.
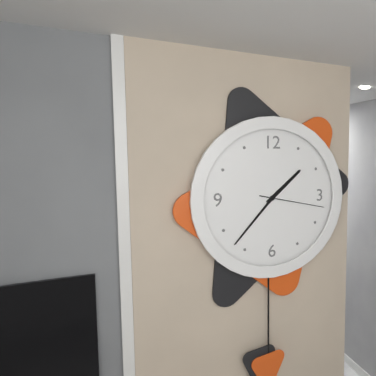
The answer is 1:37:17
